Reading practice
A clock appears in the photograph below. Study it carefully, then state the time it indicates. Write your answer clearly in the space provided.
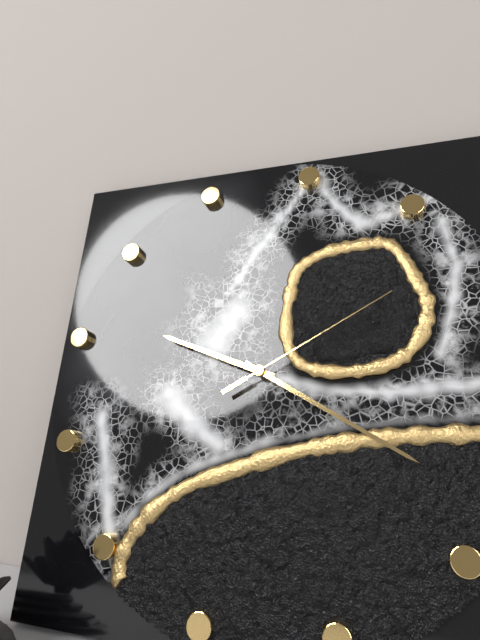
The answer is 9:18:08
